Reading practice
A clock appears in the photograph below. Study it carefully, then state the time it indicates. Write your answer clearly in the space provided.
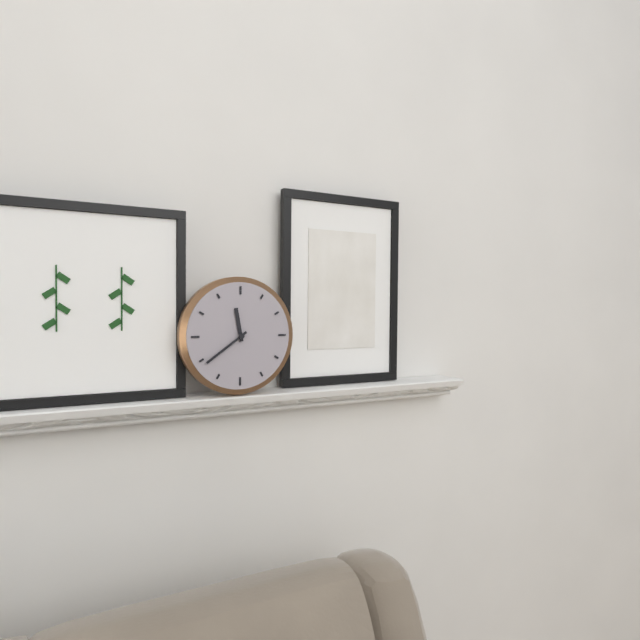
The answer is 11:39
